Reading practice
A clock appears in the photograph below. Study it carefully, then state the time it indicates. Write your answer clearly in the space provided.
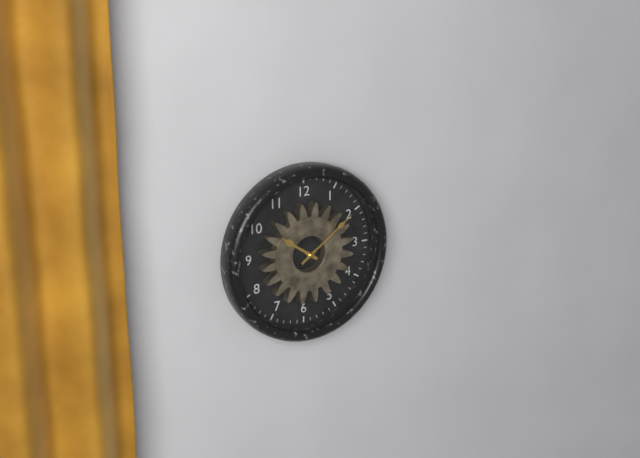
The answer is 10:09
